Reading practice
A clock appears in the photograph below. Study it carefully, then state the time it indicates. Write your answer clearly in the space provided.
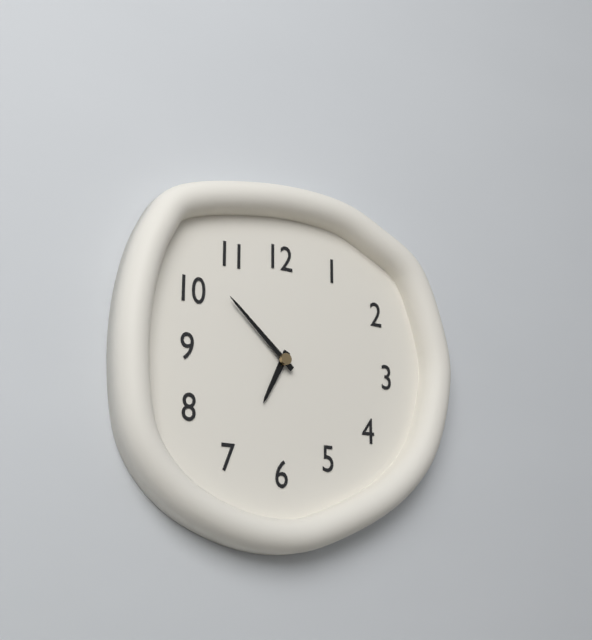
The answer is 6:52
